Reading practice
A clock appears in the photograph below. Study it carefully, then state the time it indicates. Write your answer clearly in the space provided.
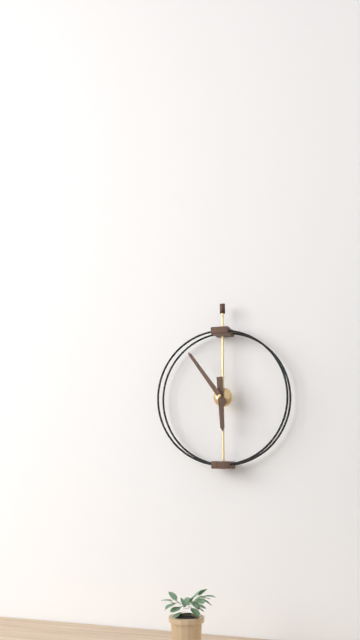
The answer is 5:54
